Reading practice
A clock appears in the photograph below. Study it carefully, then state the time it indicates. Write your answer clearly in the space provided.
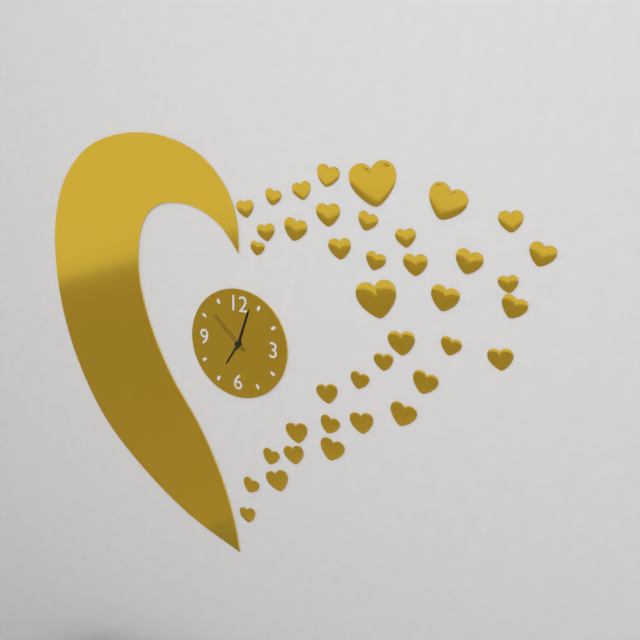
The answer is 7:03
